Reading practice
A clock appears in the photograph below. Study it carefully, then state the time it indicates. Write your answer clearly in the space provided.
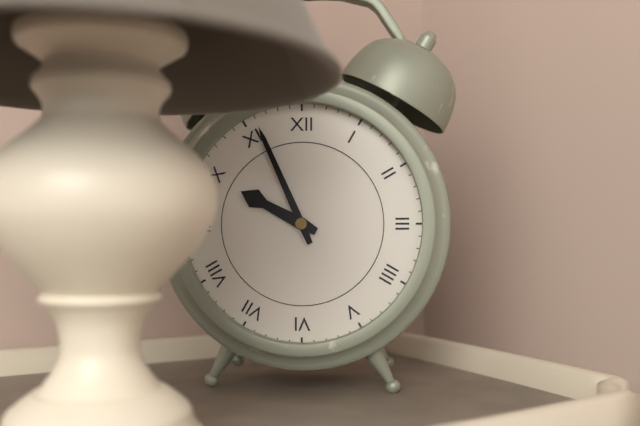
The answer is 9:56
